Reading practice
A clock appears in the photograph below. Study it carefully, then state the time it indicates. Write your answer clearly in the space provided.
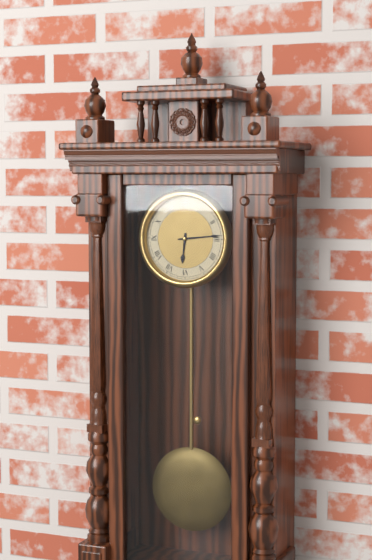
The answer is 6:14
